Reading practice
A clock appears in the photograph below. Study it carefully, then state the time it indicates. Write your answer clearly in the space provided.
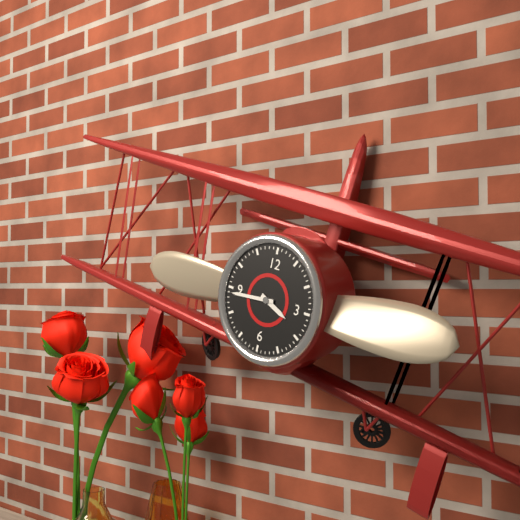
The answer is 3:44
